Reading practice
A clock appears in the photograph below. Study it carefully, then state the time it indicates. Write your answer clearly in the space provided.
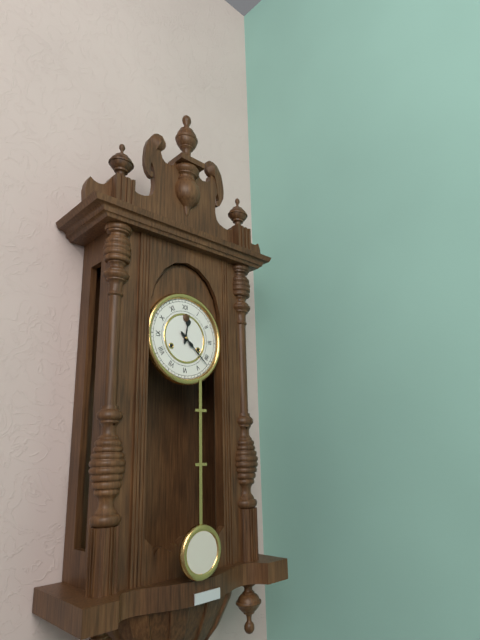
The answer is 12:22
